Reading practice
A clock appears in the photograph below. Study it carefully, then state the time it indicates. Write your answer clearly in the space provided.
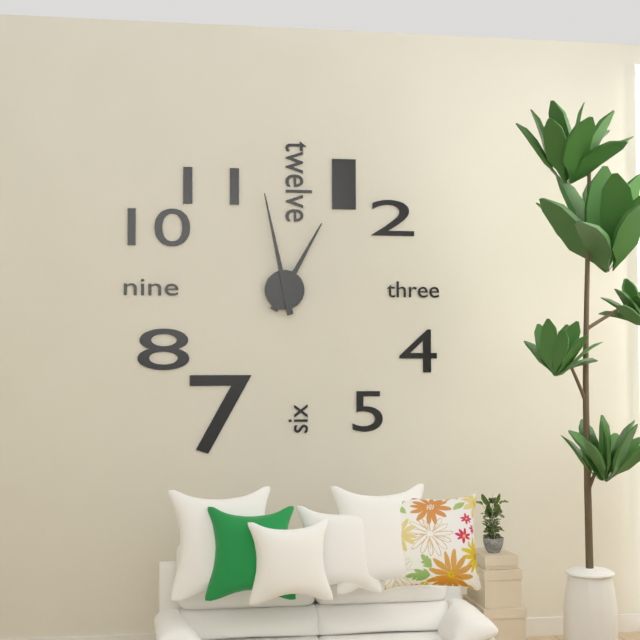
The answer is 12:58
